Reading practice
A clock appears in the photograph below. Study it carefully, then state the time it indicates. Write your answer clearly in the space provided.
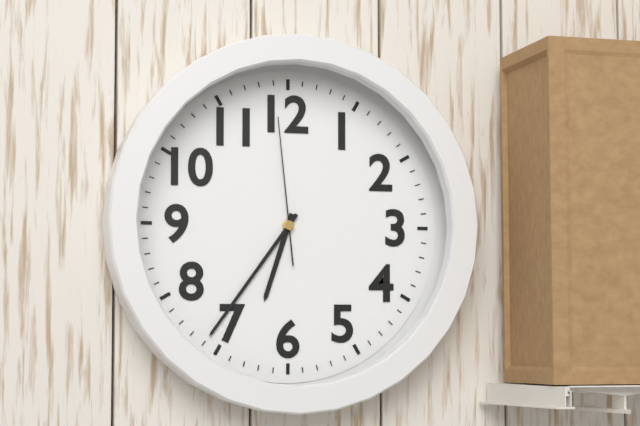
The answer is 6:36:59
